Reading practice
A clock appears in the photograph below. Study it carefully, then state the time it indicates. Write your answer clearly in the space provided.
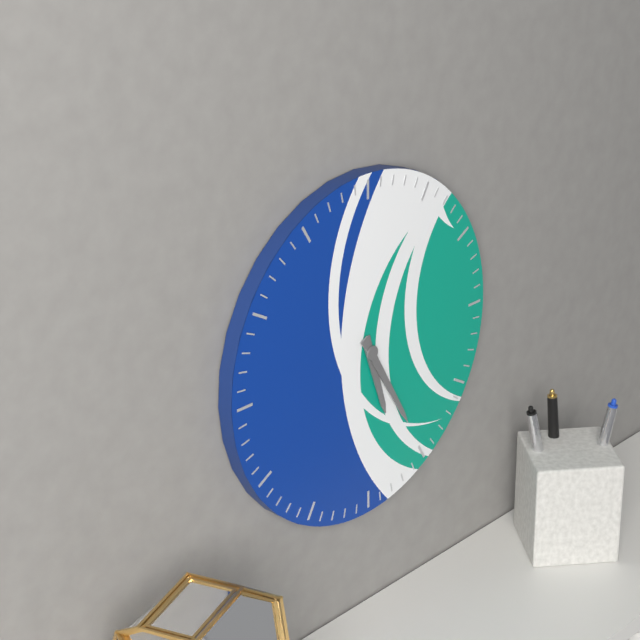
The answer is 5:25
